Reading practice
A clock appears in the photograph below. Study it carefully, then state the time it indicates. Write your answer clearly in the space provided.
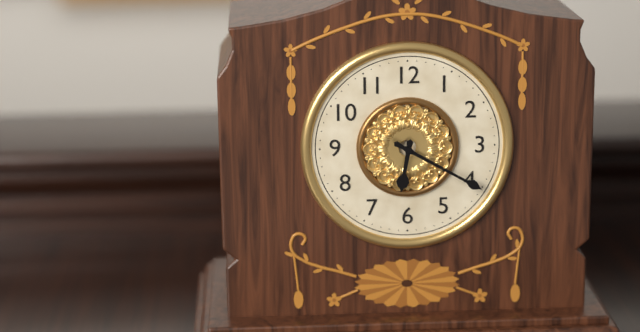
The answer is 6:20
